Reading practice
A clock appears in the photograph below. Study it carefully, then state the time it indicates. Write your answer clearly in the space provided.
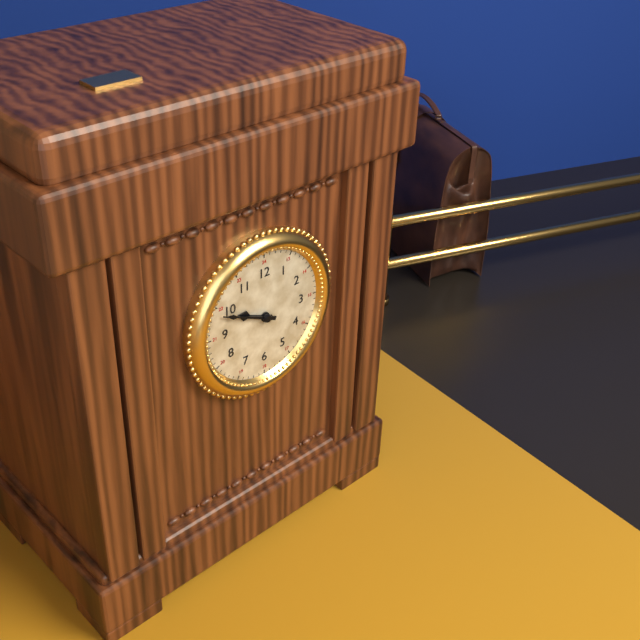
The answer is 9:49
